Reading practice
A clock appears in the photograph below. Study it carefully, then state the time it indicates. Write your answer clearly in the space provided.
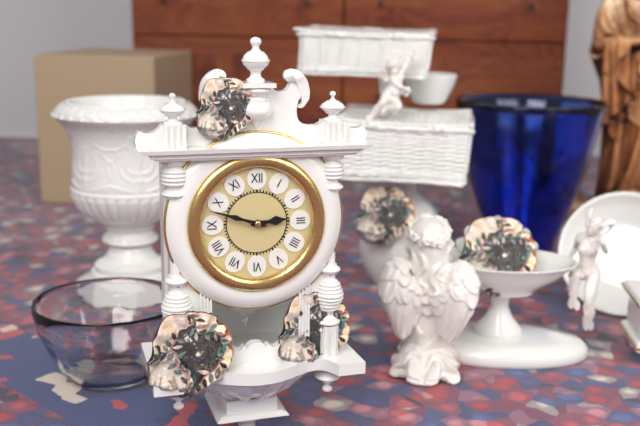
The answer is 2:48
